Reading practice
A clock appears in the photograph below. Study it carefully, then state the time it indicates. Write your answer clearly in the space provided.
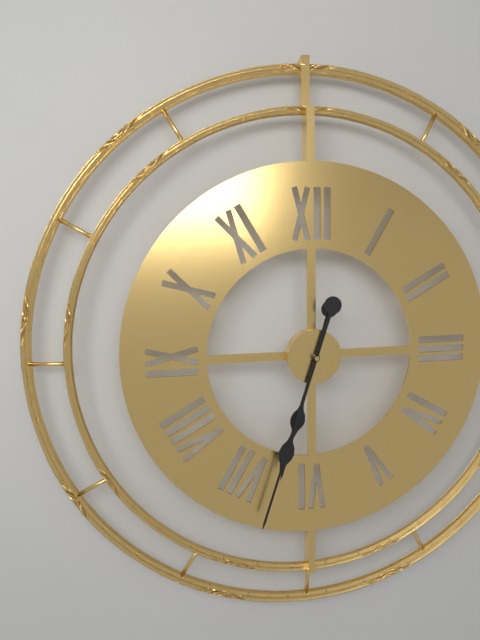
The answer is 6:33
